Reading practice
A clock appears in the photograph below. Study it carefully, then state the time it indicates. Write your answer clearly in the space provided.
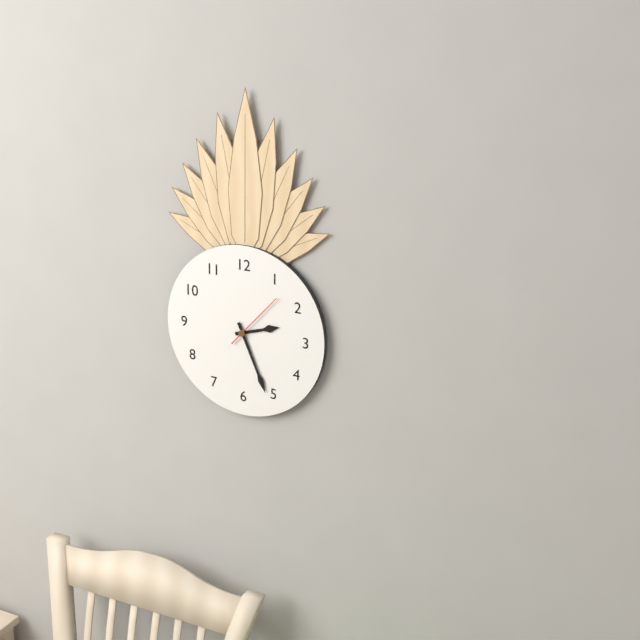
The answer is 2:26:07
